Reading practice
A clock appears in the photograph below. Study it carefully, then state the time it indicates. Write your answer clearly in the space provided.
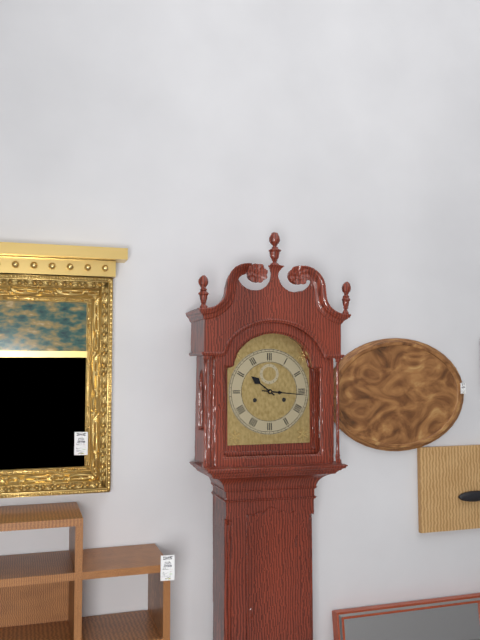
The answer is 10:16
